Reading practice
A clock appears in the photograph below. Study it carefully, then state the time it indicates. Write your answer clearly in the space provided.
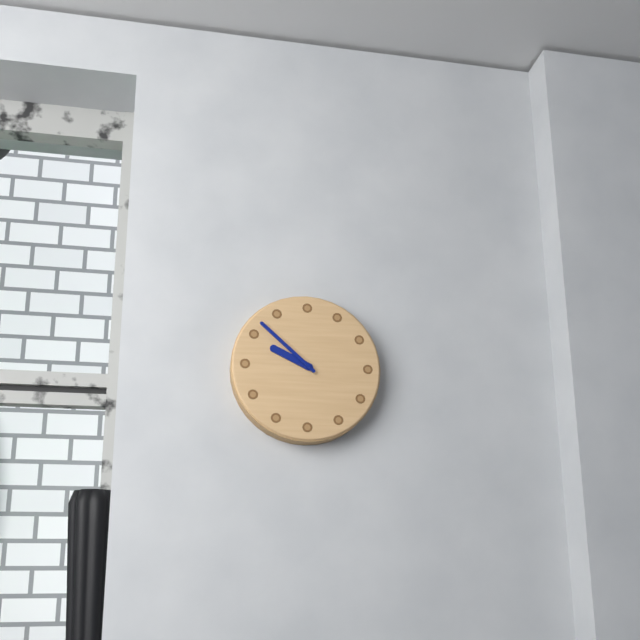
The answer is 9:52
